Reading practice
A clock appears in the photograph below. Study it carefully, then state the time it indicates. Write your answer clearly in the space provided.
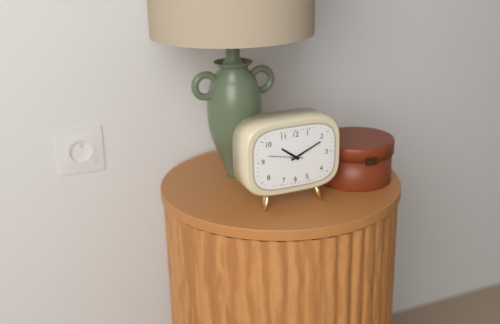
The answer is 10:11
